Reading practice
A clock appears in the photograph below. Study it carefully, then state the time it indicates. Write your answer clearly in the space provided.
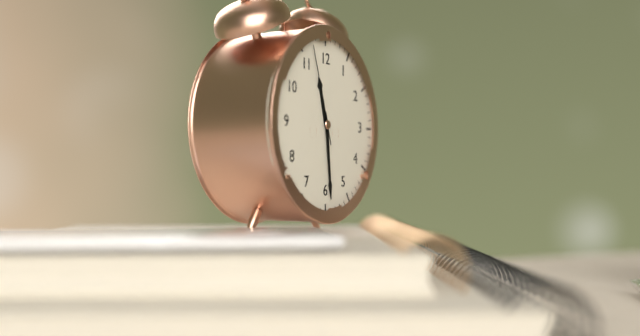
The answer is 11:29:57
